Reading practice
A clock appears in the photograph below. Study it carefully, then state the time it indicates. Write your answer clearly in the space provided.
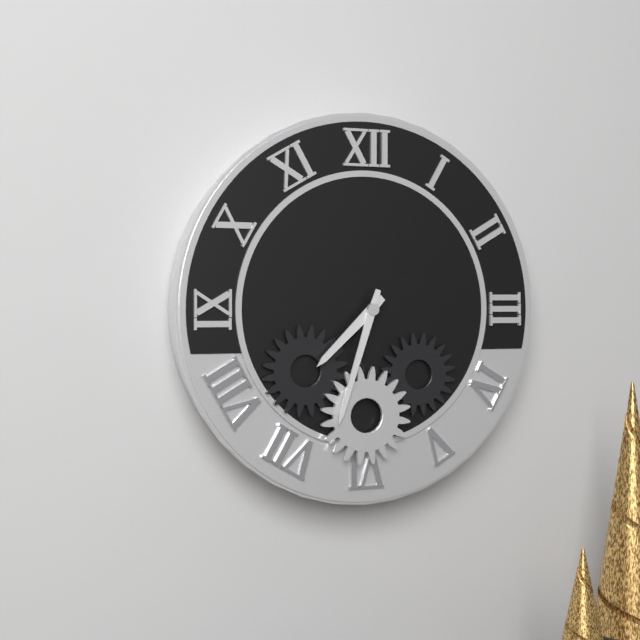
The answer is 7:33
